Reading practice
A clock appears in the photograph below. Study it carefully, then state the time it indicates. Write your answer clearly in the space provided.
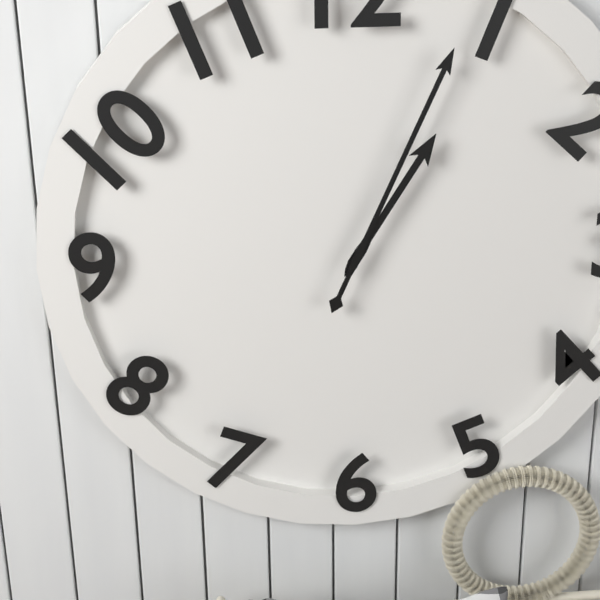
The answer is 1:04
